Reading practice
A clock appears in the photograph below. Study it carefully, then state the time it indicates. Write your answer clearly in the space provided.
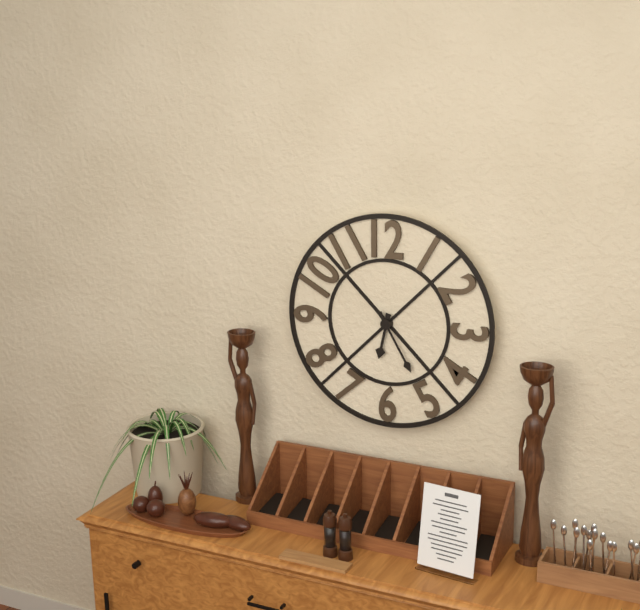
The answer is 6:25
